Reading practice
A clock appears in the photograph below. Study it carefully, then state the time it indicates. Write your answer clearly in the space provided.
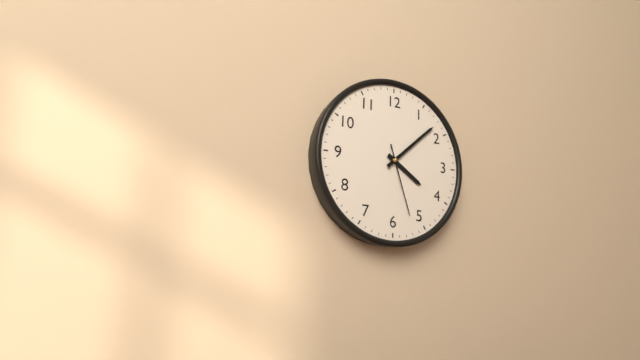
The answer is 4:08:27
